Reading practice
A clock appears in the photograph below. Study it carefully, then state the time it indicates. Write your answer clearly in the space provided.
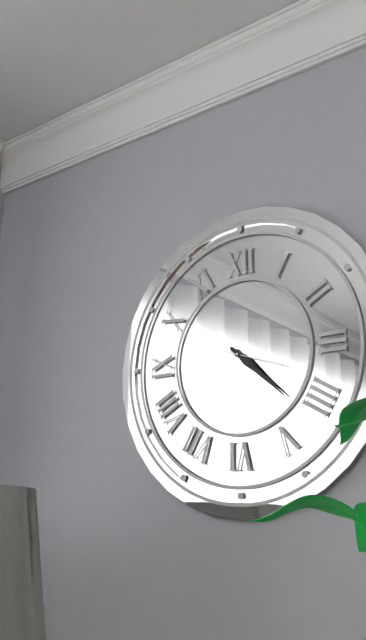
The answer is 4:22:18
